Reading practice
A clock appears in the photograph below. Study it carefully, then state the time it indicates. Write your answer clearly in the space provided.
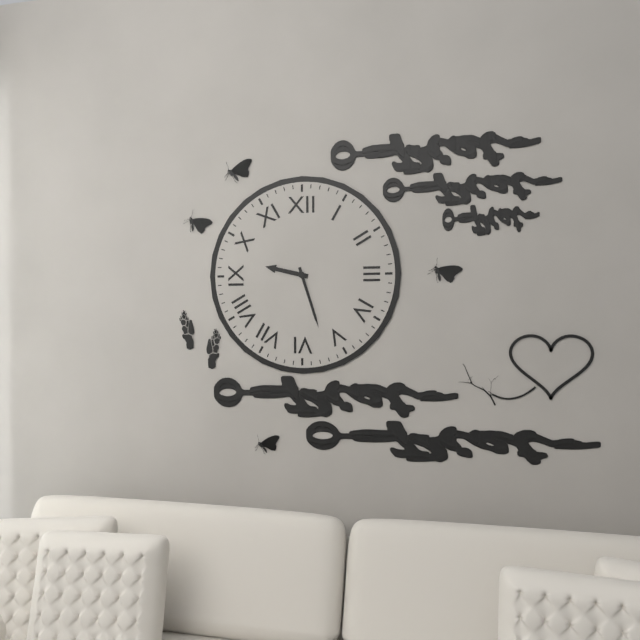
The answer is 9:27
